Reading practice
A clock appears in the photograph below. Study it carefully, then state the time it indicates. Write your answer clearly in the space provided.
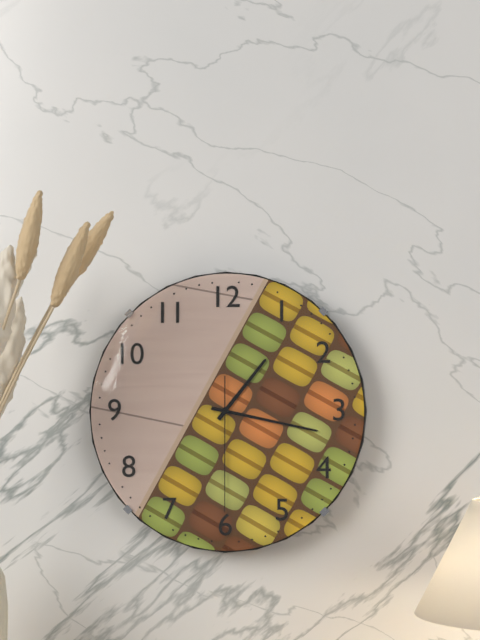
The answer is 1:17:30
